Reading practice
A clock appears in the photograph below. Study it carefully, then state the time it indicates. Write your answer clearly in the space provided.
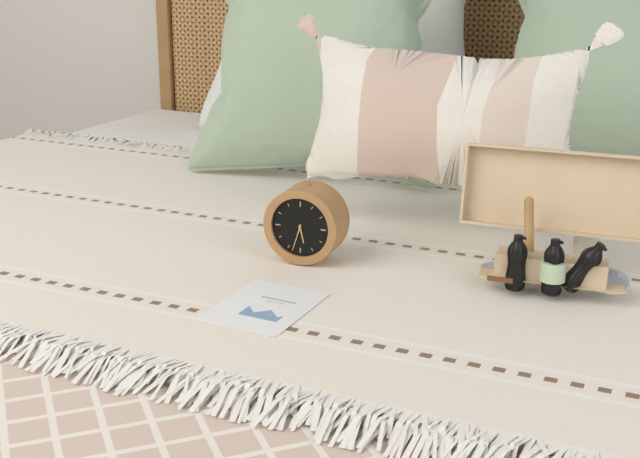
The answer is 5:33
